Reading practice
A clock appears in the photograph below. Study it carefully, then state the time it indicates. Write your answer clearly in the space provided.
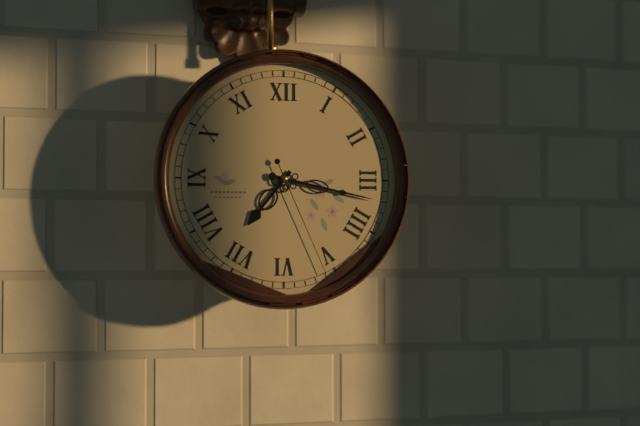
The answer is 7:17:26
